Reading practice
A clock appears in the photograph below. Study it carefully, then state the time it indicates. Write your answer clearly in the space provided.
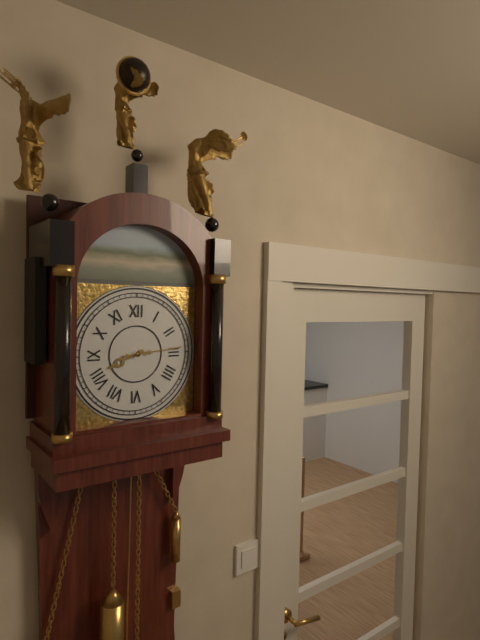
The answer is 8:14
